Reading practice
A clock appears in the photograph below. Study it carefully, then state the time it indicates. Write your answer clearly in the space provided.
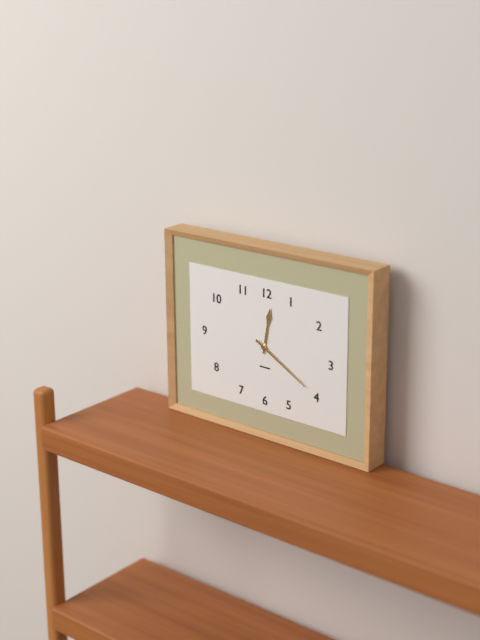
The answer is 12:20
